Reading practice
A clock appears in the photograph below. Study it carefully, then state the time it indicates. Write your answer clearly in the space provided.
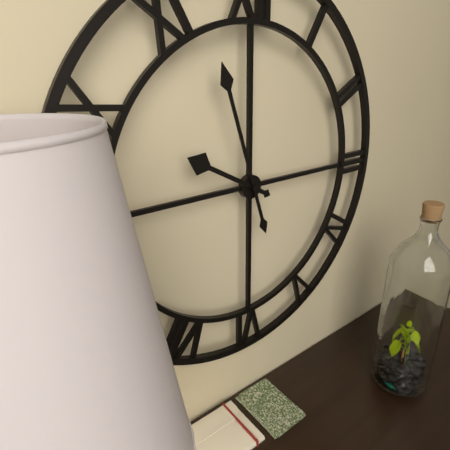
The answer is 9:57
